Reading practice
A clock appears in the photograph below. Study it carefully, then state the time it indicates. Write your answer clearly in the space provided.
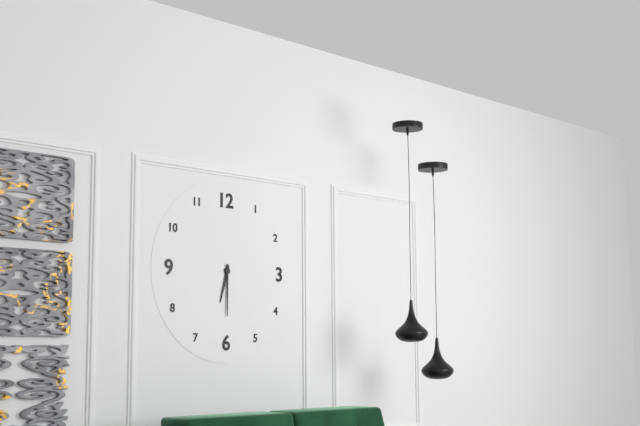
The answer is 6:30
